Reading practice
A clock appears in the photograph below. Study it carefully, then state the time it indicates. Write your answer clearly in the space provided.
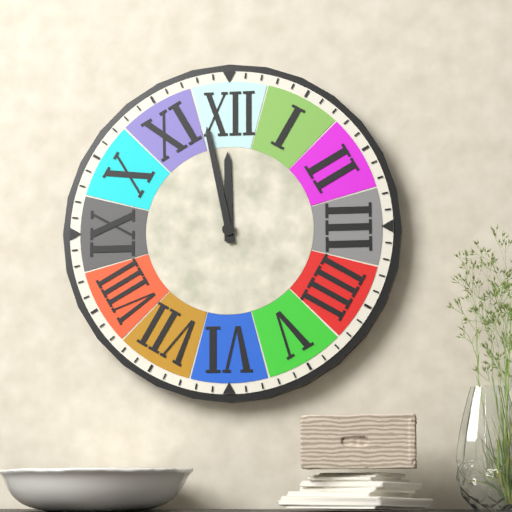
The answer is 11:58
